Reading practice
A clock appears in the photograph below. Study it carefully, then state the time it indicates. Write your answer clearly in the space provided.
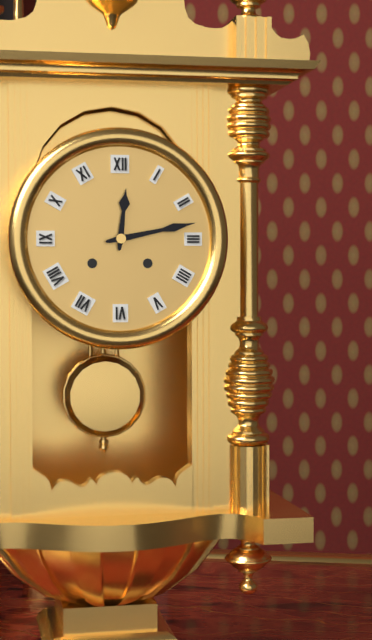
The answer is 12:13
